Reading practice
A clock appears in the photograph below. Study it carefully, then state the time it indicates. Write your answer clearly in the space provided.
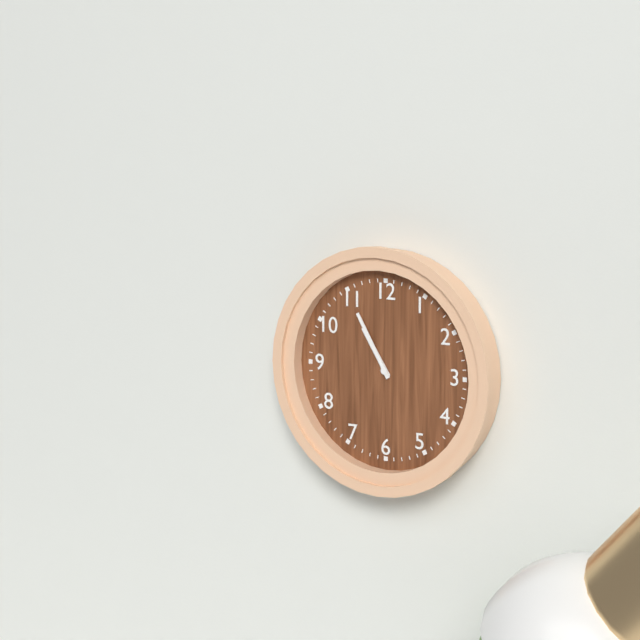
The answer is 10:55
